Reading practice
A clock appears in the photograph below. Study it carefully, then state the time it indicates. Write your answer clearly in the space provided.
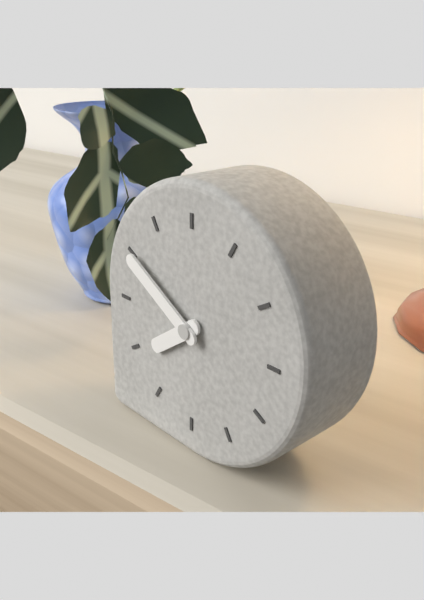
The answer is 7:50
